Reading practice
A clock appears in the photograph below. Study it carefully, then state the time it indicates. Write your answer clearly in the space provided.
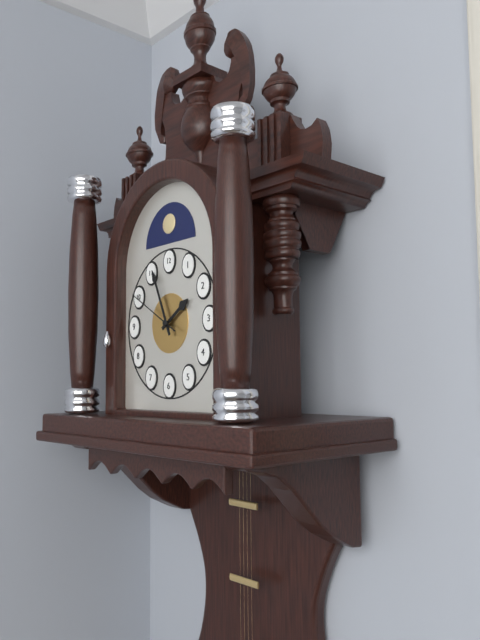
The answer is 1:56:50
